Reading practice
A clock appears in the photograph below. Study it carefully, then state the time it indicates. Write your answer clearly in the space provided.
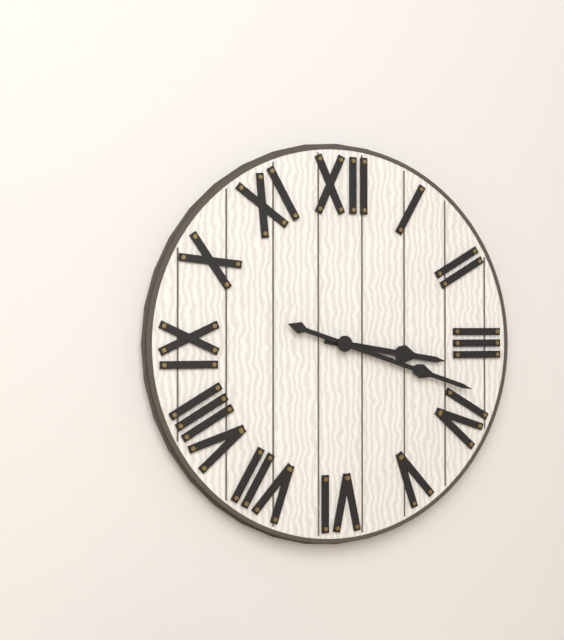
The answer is 3:18
